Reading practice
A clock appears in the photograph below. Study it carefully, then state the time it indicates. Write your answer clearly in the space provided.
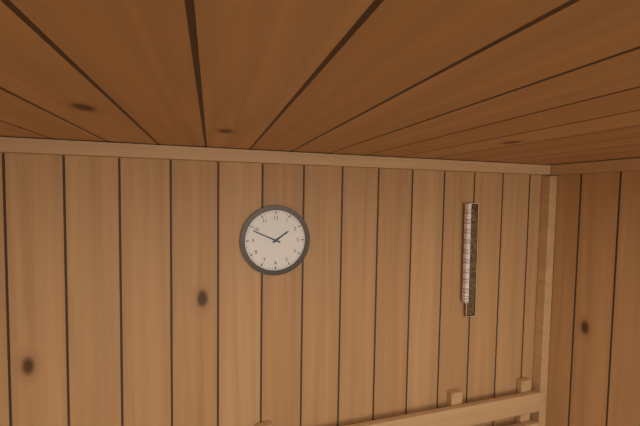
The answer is 1:49
